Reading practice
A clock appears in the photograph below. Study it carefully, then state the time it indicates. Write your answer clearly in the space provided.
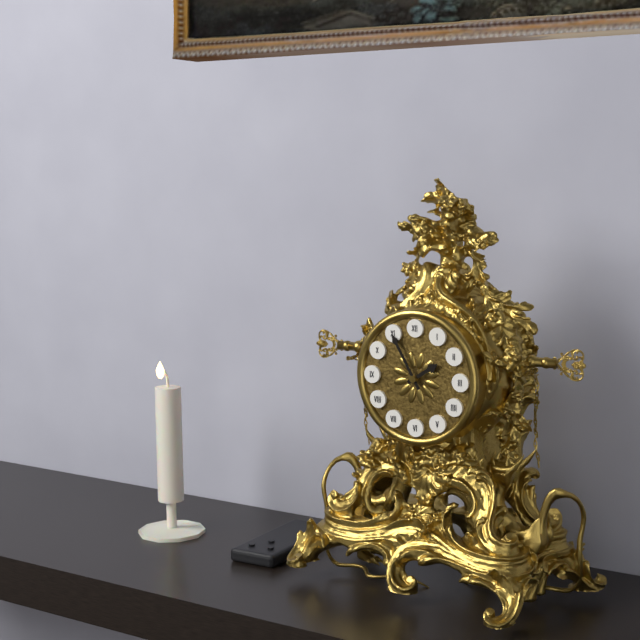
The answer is 1:55
